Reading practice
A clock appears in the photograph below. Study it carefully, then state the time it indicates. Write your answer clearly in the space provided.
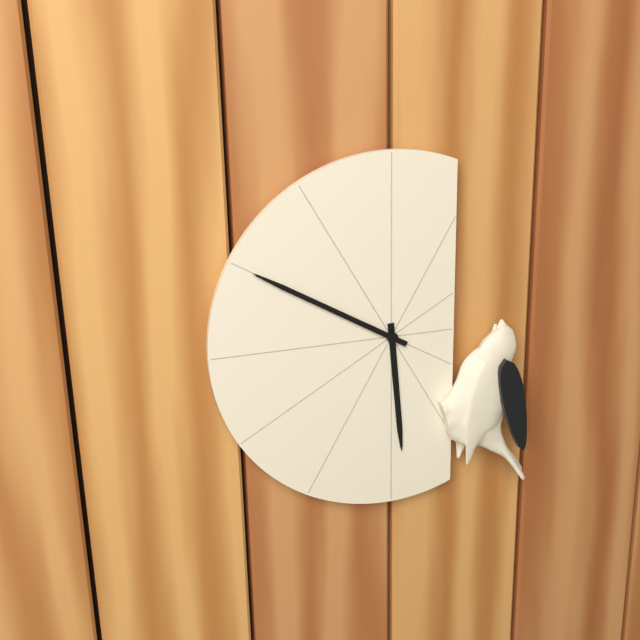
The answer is 5:50
